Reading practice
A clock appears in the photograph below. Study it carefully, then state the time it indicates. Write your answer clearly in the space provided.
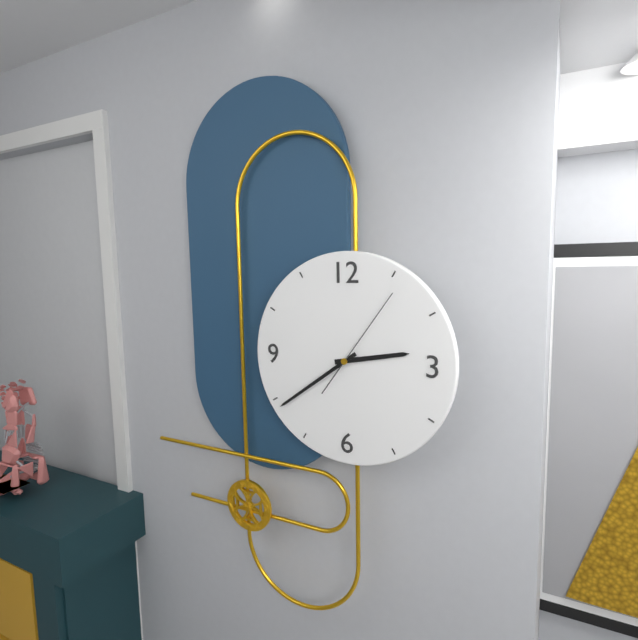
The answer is 2:39:06
